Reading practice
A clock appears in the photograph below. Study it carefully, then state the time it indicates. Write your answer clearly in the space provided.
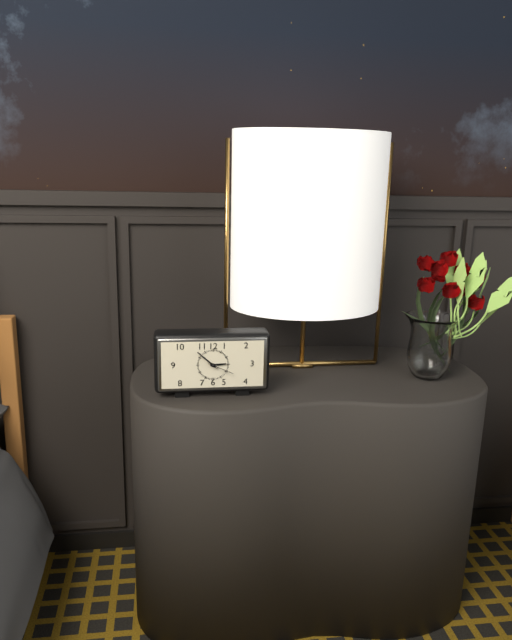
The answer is 2:52
